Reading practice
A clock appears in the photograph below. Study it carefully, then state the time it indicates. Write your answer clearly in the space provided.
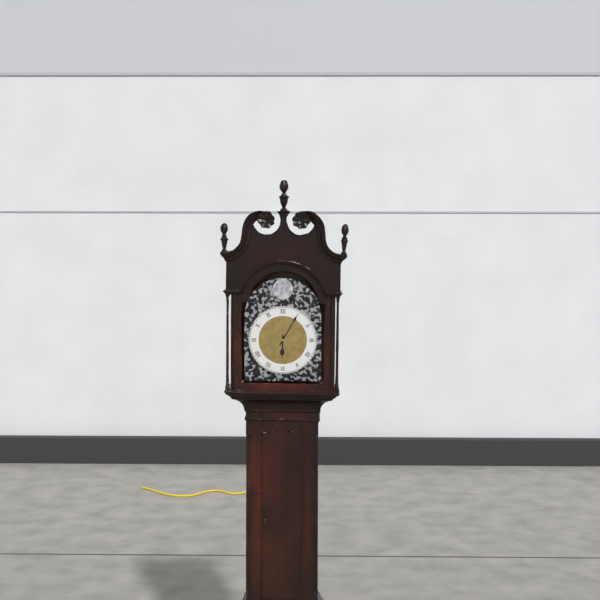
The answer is 6:05
